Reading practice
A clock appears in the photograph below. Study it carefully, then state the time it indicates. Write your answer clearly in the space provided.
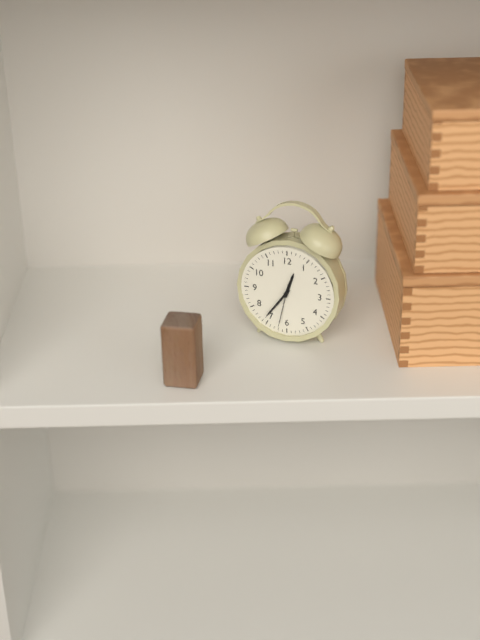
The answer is 12:36
